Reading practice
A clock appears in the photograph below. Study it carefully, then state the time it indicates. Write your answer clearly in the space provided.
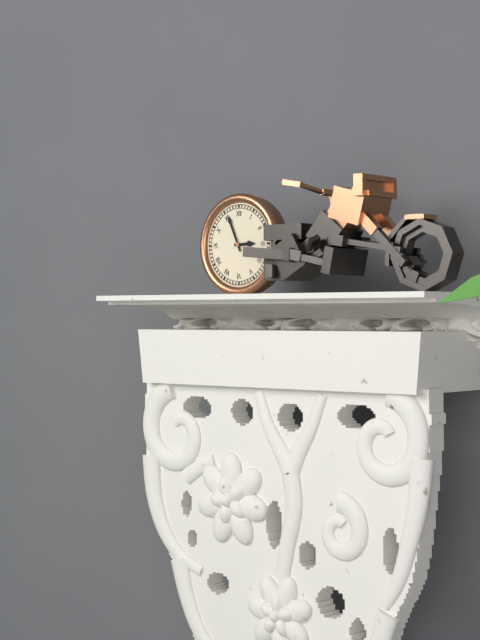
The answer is 2:56
